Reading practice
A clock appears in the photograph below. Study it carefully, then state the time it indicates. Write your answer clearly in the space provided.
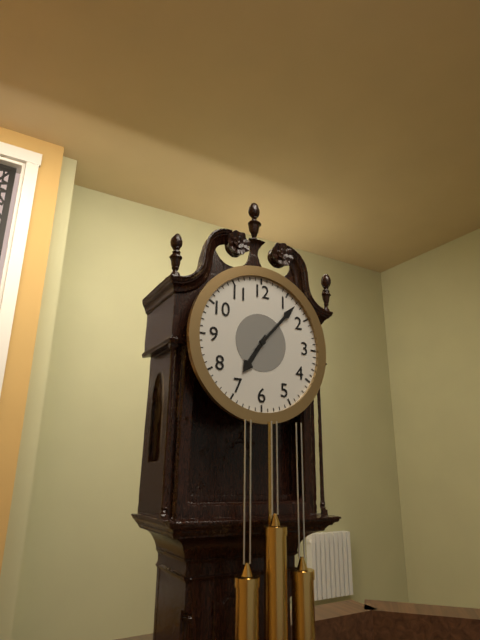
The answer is 7:07
